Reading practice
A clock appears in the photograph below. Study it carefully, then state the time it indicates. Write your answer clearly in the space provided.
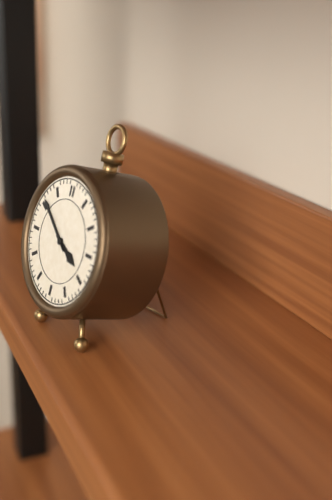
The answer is 3:51
